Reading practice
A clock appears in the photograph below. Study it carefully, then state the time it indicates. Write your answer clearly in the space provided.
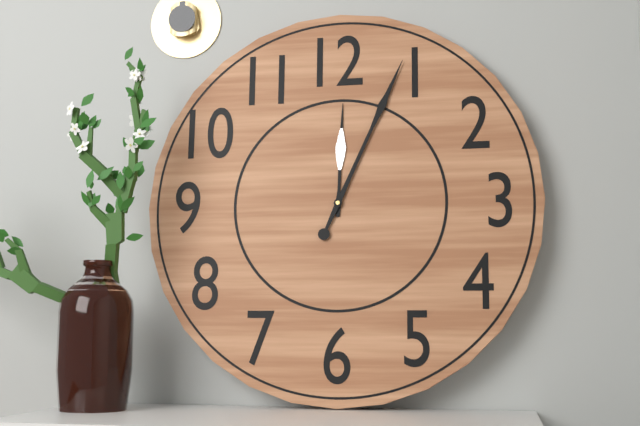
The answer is 12:04
